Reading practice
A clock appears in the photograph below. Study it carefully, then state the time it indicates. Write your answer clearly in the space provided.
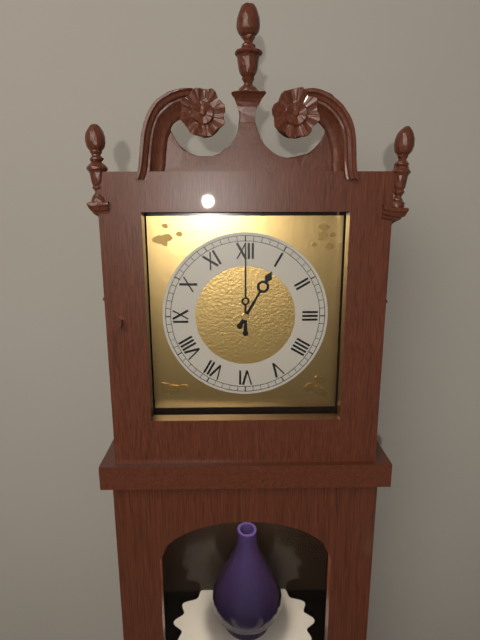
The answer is 1:00
